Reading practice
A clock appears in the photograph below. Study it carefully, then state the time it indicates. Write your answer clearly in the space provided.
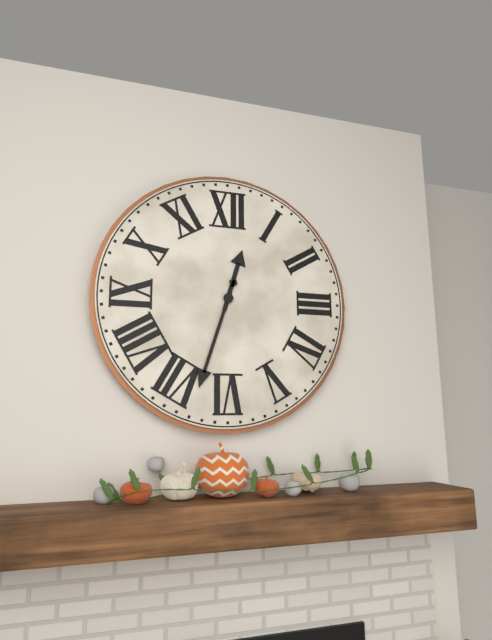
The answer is 12:33
